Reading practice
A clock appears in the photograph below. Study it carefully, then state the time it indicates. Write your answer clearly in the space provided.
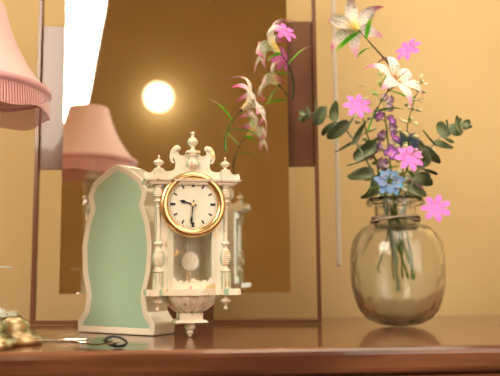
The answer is 9:31
